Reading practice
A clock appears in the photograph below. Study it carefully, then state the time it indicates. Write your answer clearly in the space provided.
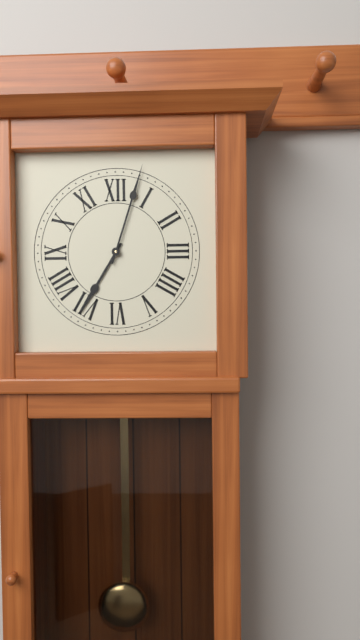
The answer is 7:03
